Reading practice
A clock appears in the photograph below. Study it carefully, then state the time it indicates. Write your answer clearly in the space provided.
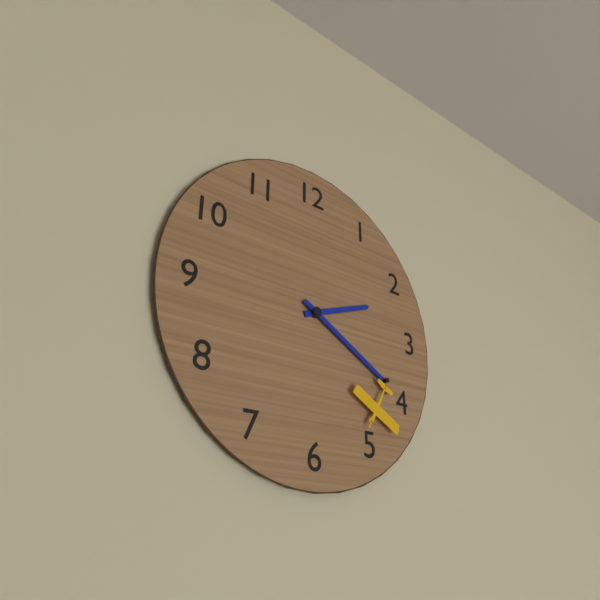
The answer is 2:20
